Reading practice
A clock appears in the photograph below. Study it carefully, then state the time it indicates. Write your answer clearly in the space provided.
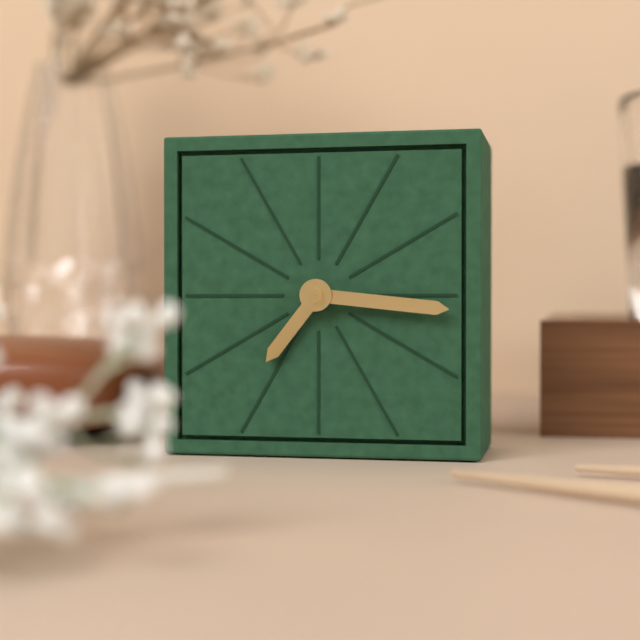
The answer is 7:16
